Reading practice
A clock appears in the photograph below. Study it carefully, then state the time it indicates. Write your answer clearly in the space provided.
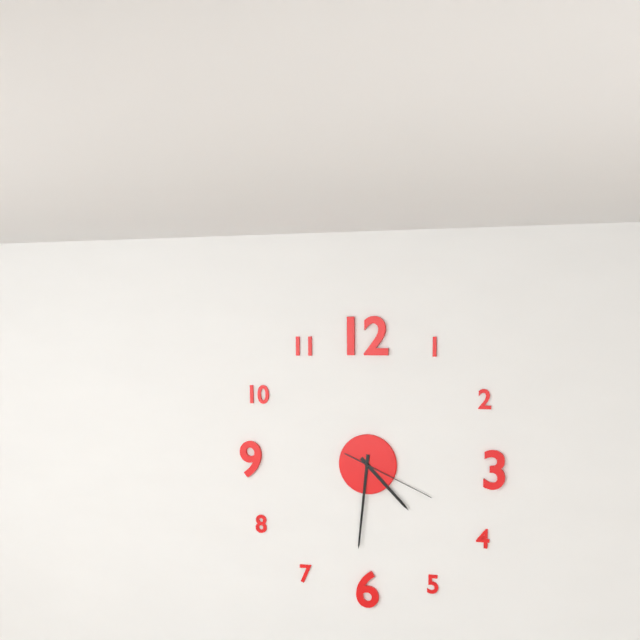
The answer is 4:31:19
